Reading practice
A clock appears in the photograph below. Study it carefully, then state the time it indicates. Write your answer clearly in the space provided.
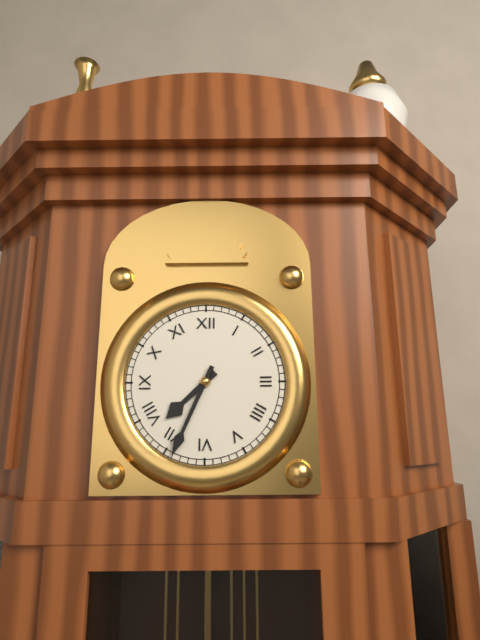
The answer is 7:34
